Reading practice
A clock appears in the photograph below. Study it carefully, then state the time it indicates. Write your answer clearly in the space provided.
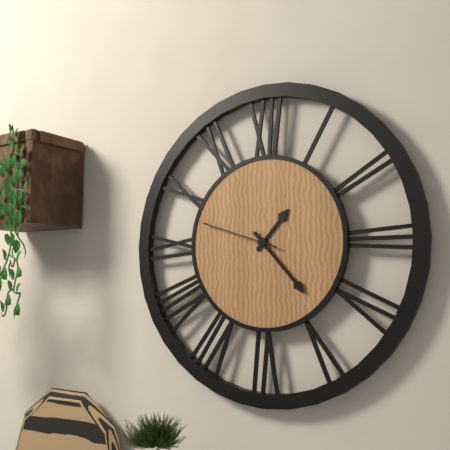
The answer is 1:23:48
